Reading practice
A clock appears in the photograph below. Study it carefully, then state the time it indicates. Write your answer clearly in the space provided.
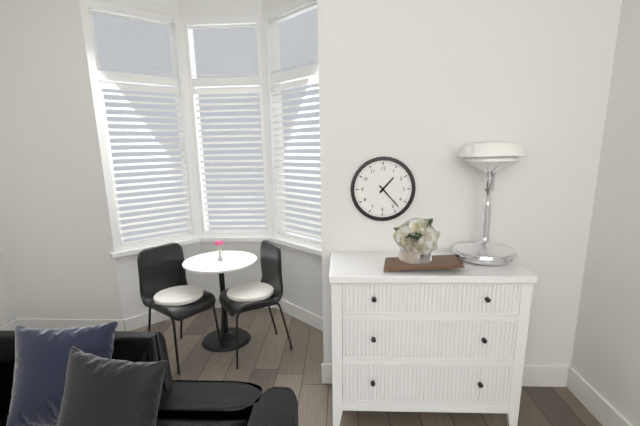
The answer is 1:23
